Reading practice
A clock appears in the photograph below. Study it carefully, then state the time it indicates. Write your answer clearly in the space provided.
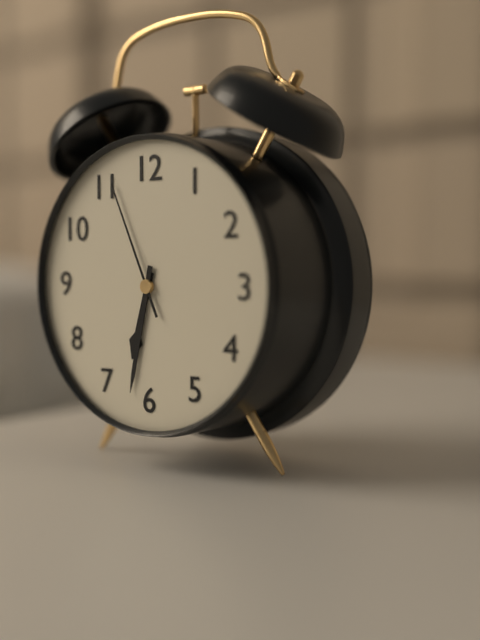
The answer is 6:32:56
